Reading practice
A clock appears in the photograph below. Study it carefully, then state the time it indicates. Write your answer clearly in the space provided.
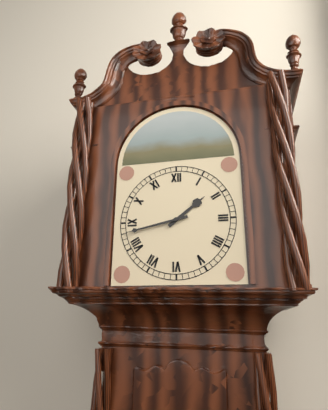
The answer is 1:43
